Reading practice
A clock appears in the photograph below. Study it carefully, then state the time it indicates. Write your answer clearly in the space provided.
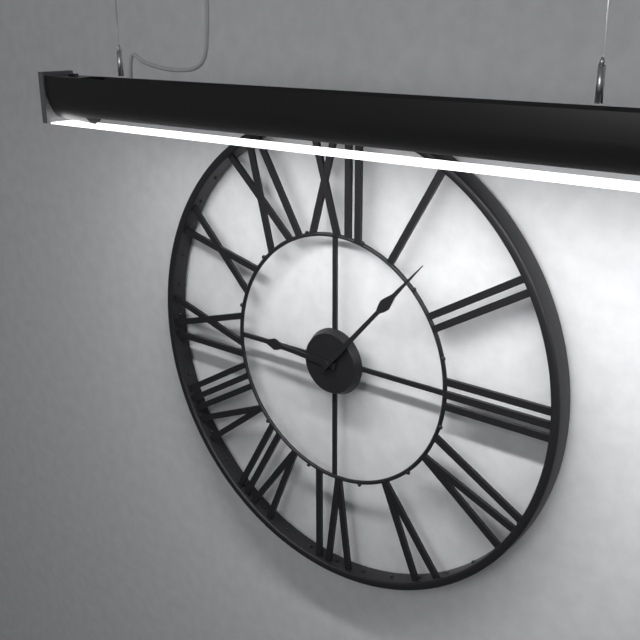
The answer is 9:07
